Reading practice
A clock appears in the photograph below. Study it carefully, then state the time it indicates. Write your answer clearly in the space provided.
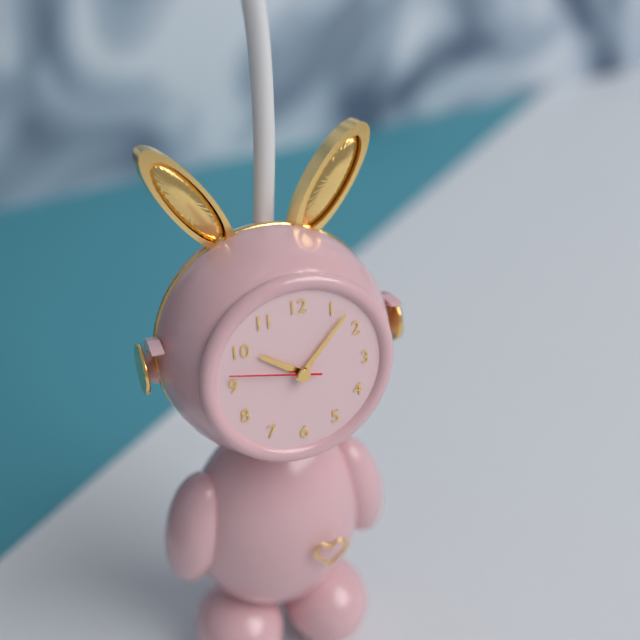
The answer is 10:07:47
